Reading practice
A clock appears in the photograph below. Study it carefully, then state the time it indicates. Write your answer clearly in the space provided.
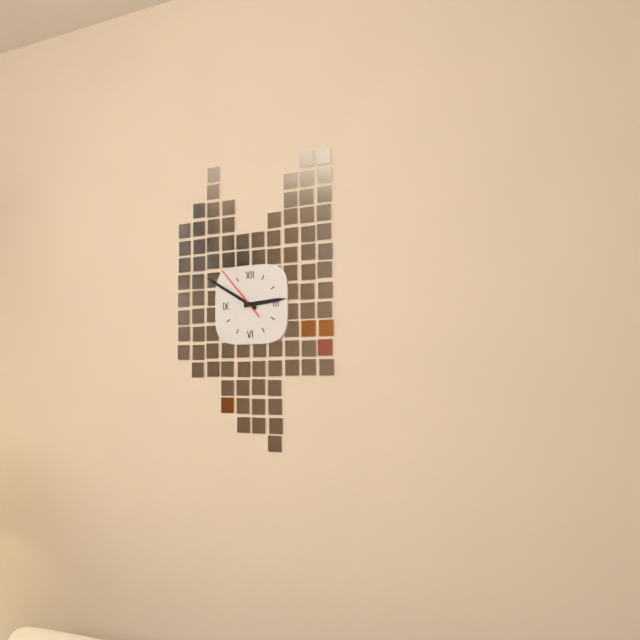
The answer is 2:50:53
